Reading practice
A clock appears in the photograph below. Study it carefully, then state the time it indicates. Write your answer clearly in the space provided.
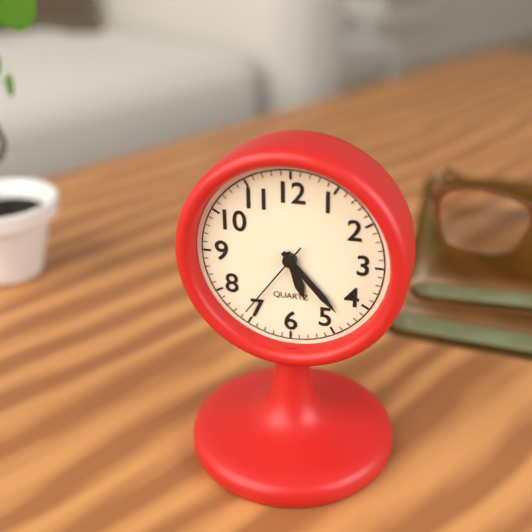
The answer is 5:23:36
